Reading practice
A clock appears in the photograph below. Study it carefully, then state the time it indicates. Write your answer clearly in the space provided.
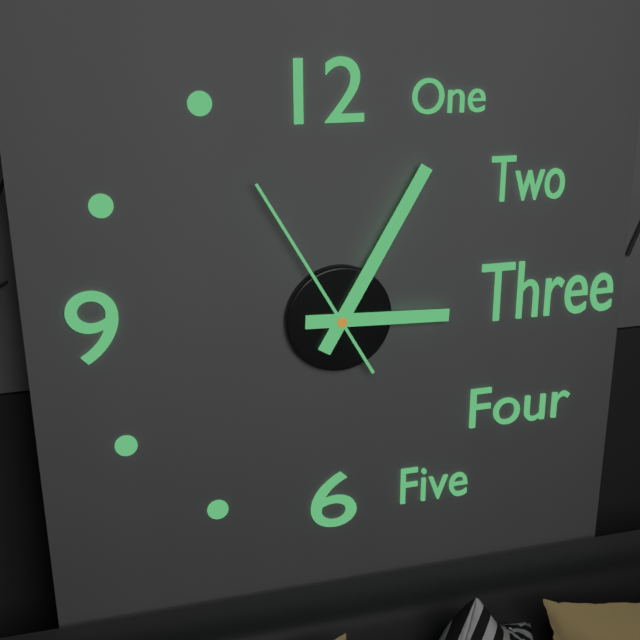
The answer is 3:05:55
